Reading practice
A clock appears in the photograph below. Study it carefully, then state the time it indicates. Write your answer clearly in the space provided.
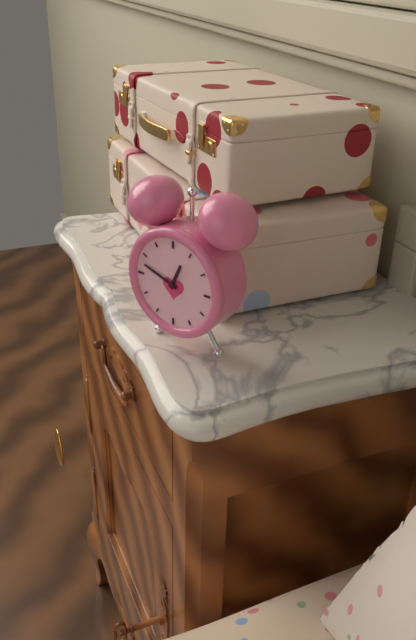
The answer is 12:48
